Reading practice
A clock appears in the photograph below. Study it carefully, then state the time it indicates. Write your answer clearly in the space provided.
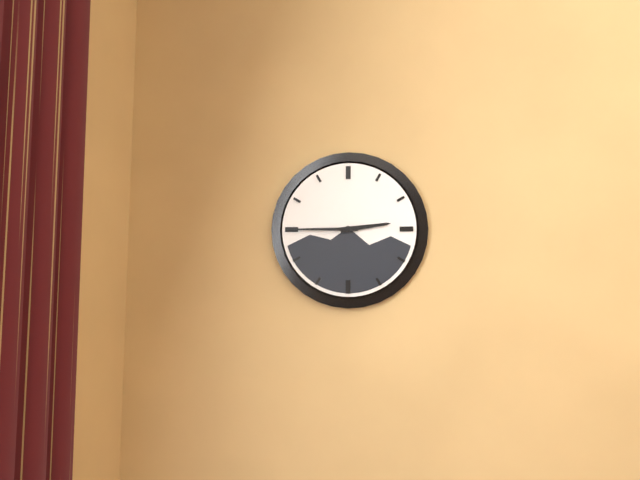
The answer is 2:45
